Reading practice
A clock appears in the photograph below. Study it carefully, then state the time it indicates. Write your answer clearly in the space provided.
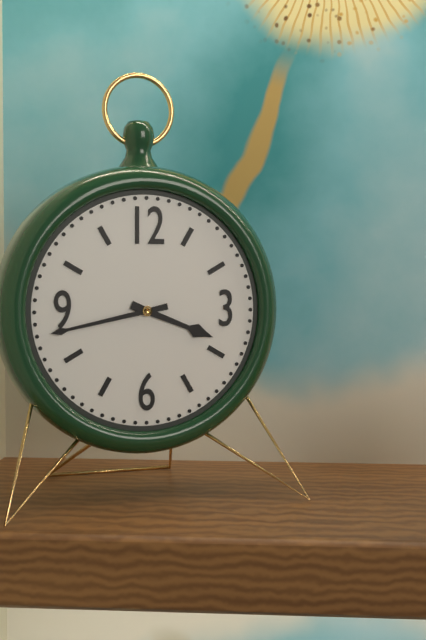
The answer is 3:43
